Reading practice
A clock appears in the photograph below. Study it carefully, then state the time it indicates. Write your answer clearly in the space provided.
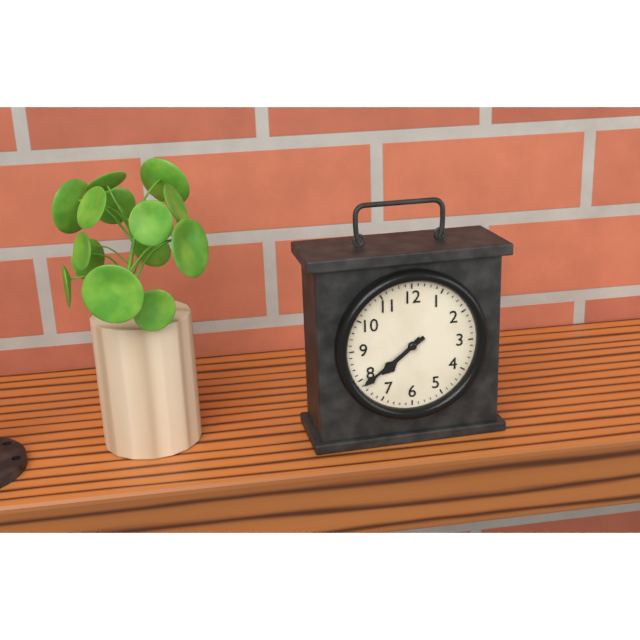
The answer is 7:39
